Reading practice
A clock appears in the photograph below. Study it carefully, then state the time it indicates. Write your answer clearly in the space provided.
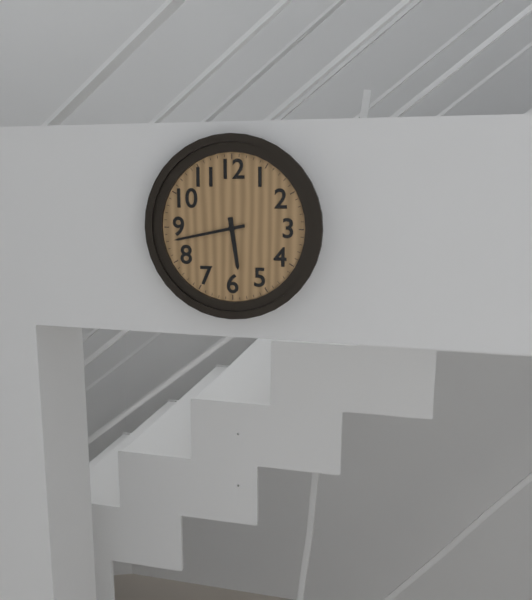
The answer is 5:43
